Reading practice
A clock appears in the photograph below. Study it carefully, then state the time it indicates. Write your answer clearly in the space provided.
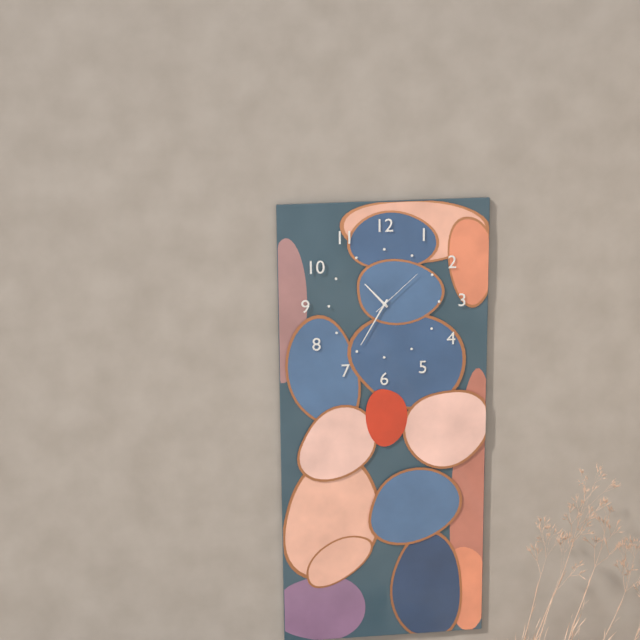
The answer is 10:35:08
